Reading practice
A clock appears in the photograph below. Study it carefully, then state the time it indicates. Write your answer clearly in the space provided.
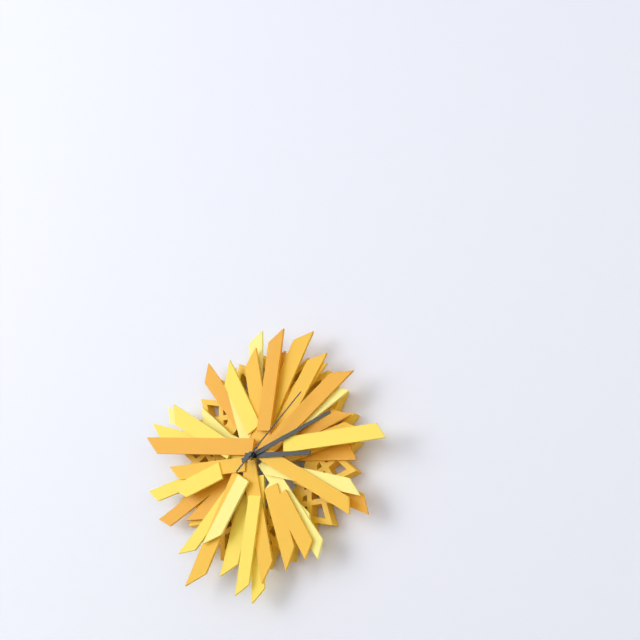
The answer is 3:12:08
